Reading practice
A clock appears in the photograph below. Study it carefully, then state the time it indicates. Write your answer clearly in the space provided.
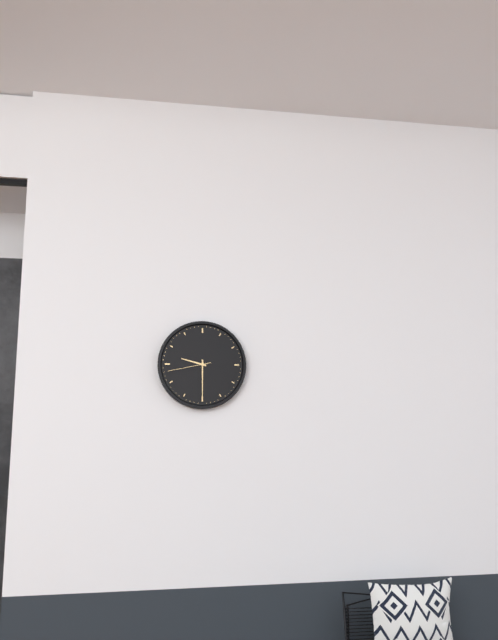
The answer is 9:30
